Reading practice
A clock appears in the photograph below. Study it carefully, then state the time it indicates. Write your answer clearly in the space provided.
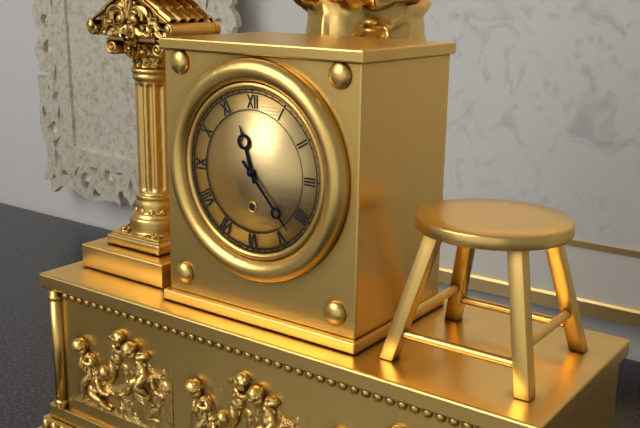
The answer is 11:23
